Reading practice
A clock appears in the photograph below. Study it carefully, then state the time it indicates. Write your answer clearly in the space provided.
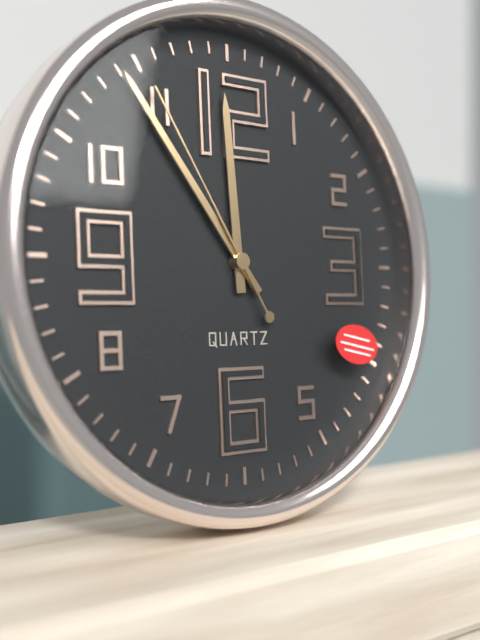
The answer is 11:54:55
